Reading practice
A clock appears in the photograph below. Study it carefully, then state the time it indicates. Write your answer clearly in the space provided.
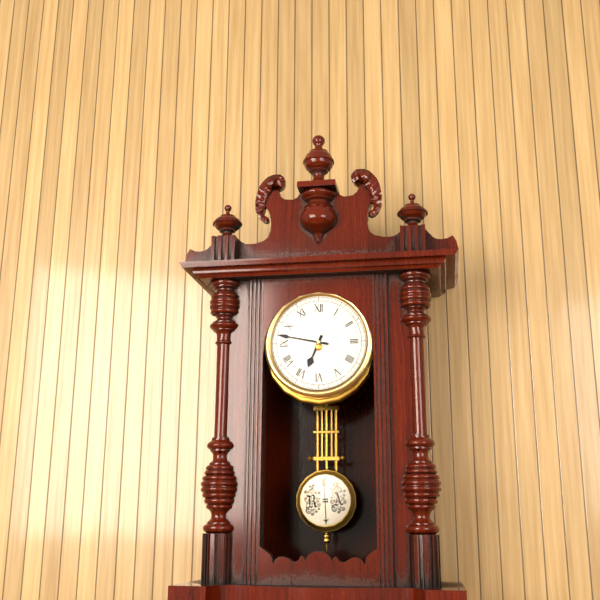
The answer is 6:47
